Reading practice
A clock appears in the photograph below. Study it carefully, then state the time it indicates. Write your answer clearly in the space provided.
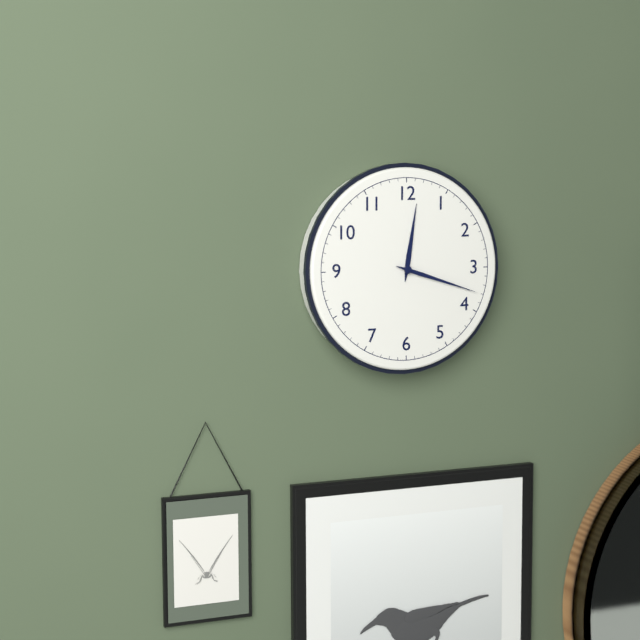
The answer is 12:18
